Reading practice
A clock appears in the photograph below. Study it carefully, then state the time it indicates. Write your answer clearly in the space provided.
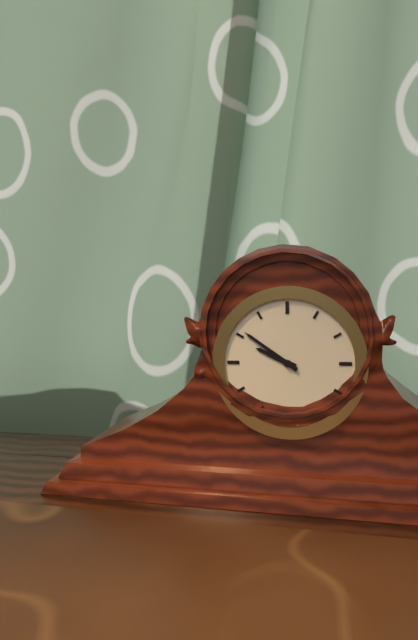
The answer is 9:51
